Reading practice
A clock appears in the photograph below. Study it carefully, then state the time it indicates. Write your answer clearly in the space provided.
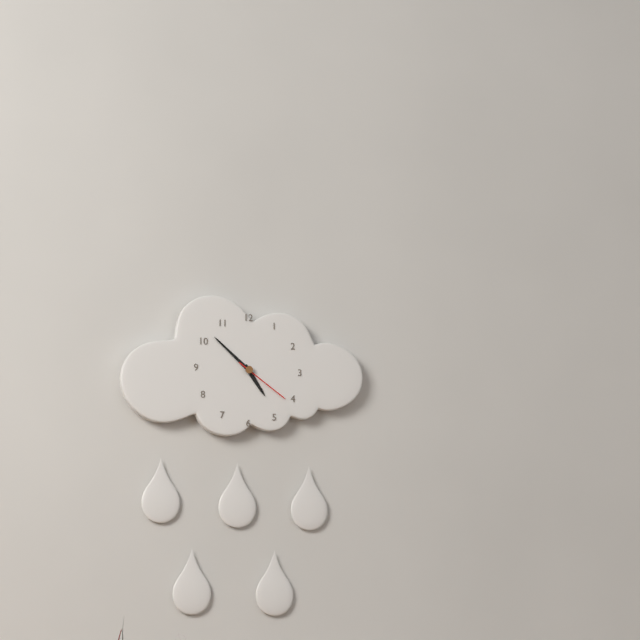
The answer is 4:52:21
